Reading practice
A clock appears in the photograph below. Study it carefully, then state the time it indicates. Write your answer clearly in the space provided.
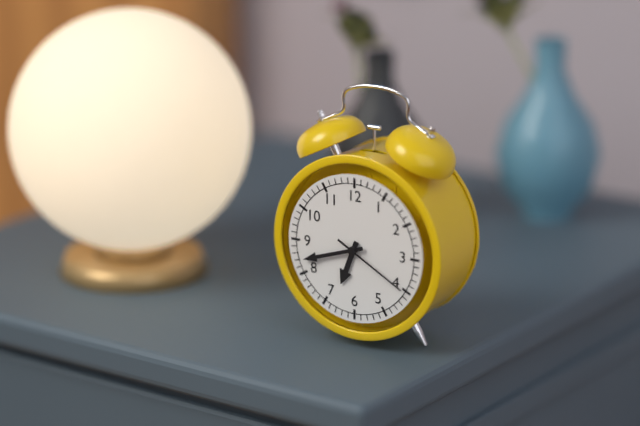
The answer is 6:42:20
